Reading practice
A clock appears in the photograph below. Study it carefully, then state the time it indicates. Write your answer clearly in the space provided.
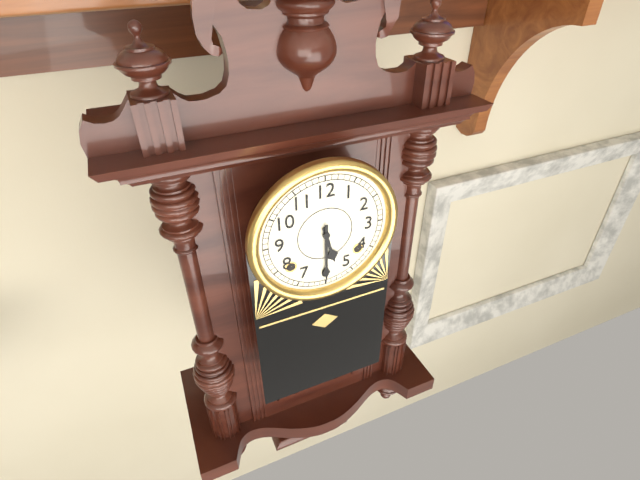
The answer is 5:30
